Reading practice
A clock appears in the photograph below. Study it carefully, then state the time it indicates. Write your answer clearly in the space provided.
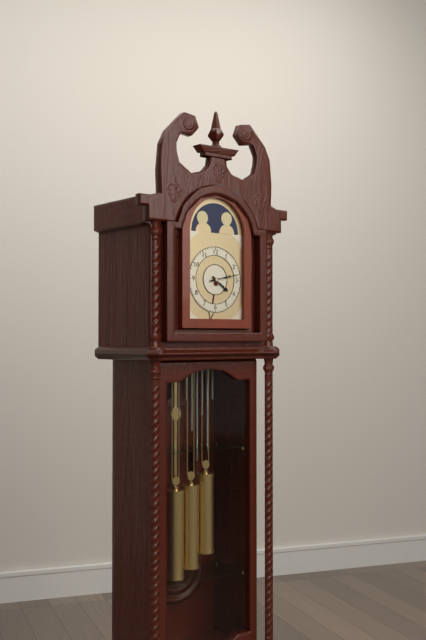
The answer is 4:13
